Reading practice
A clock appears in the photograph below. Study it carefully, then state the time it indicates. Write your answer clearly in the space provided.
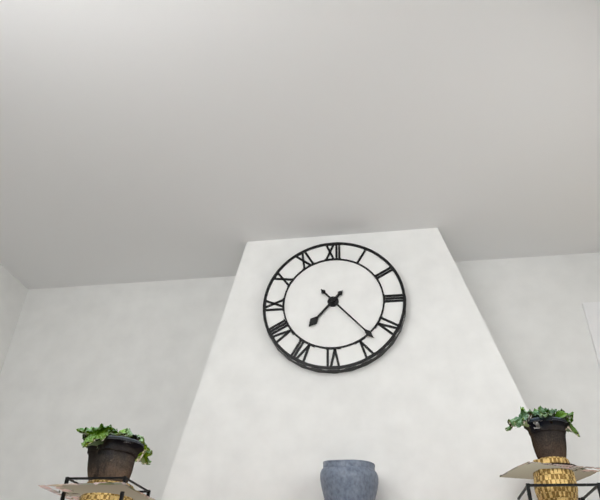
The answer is 7:23
